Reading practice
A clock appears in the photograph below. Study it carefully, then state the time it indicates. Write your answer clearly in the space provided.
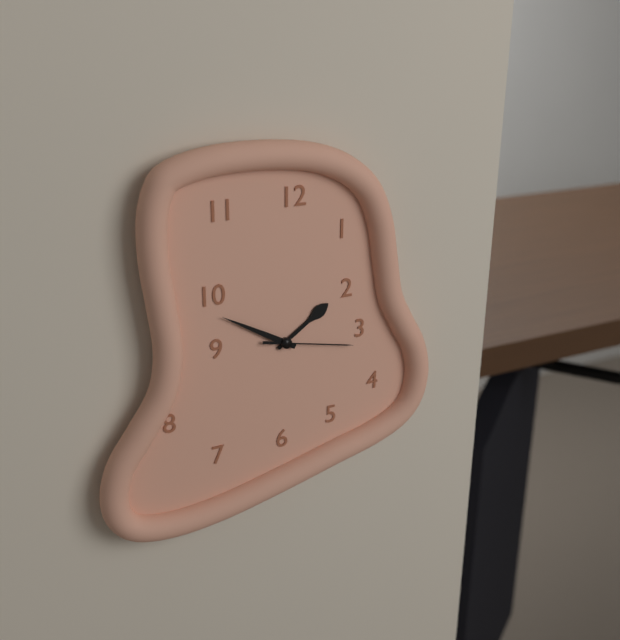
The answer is 1:50:17
